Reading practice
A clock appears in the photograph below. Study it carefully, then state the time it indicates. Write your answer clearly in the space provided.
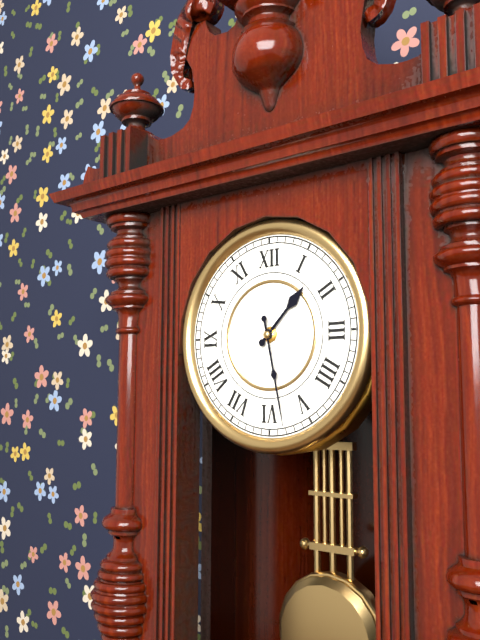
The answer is 1:28
